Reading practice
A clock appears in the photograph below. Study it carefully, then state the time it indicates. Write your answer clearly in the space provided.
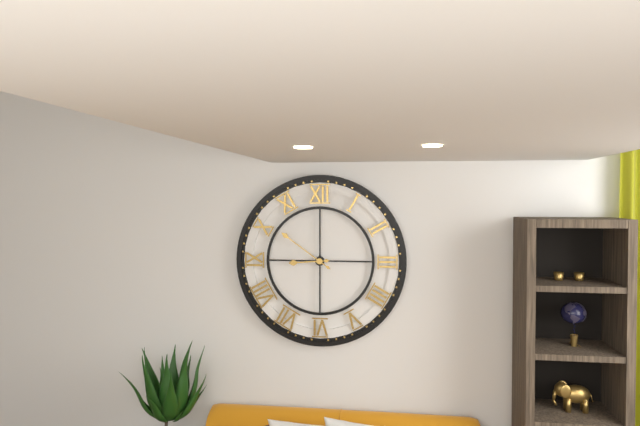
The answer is 8:51
